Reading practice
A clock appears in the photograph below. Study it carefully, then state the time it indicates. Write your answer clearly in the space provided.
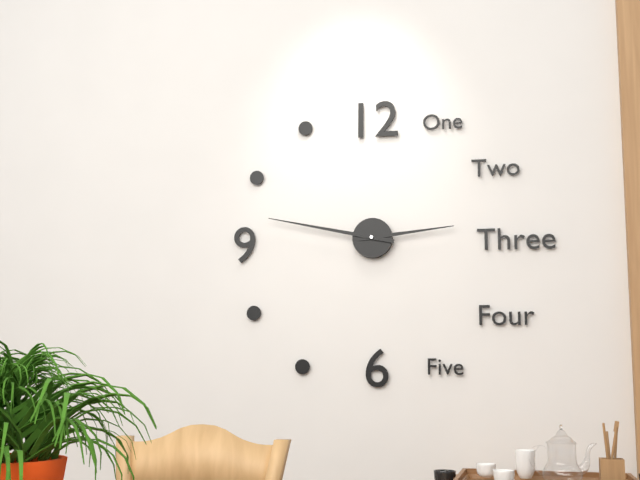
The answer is 2:47
